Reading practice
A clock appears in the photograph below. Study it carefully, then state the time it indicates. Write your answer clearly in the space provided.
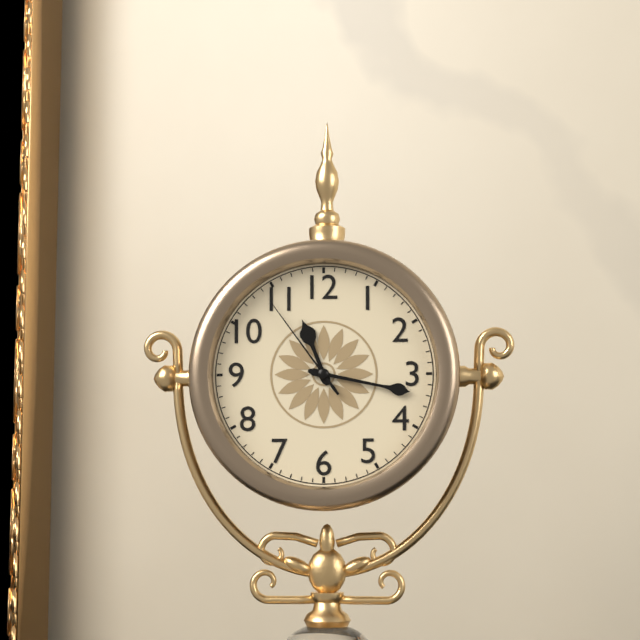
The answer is 11:17:54
